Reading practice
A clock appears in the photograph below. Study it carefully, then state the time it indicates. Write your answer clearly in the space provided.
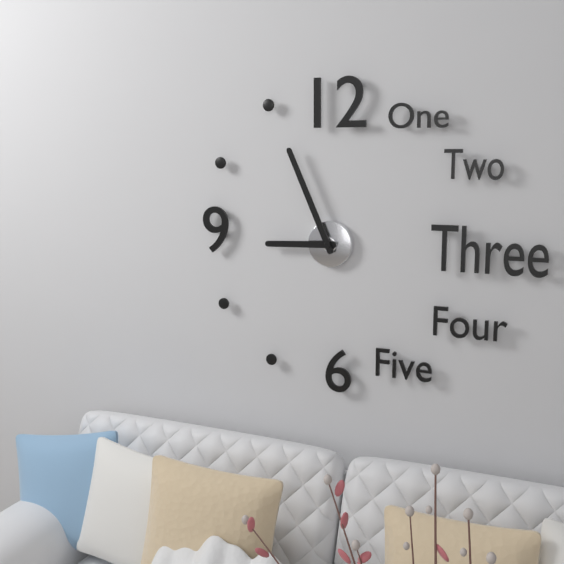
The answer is 8:56
